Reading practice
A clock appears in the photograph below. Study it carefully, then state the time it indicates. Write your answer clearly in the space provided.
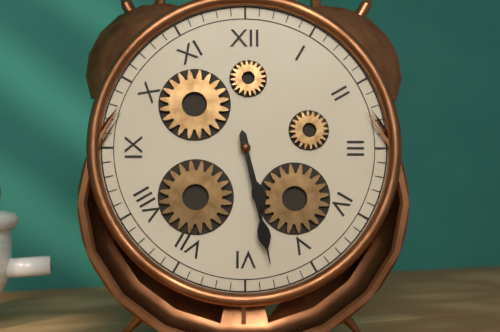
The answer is 5:28
